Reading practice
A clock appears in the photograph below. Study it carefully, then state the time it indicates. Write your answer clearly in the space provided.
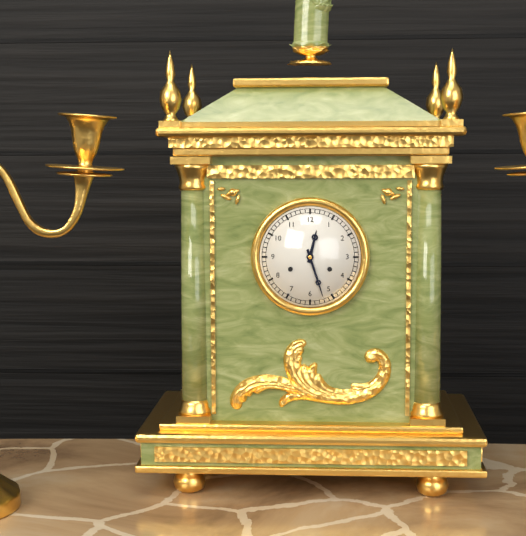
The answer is 12:27
